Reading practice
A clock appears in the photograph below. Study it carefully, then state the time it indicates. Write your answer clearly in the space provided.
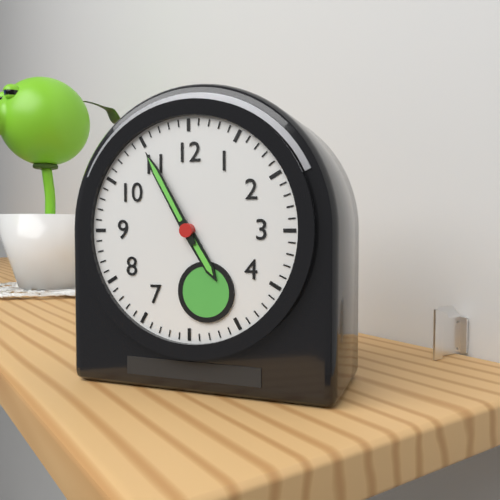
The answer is 4:55
